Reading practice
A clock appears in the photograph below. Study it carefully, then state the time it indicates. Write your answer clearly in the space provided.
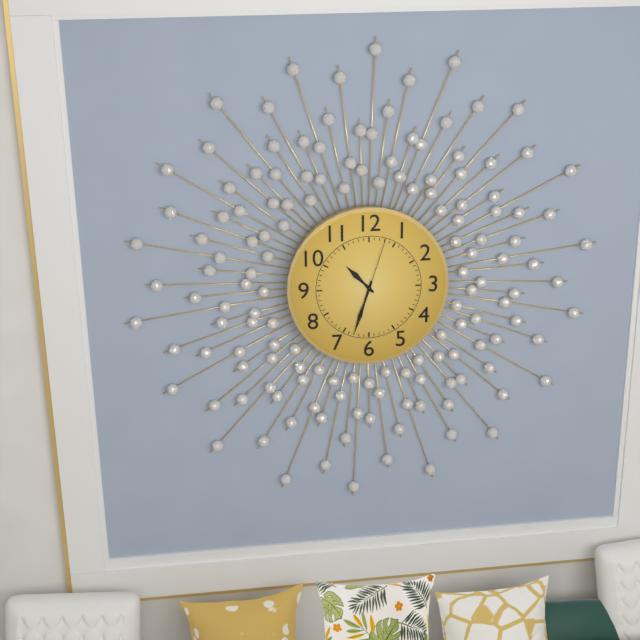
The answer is 10:33:03
